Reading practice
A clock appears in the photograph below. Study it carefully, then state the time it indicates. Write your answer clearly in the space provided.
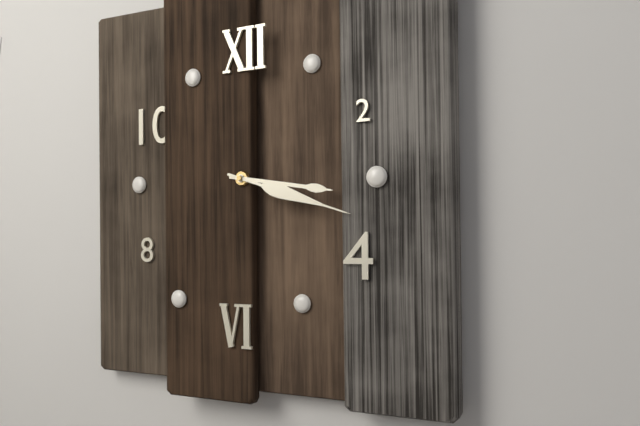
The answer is 3:18
